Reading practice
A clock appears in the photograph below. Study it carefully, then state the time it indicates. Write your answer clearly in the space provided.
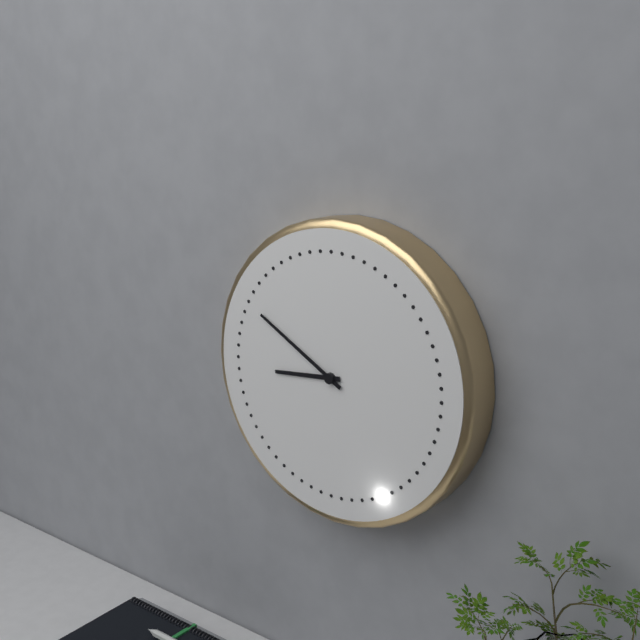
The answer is 8:50
